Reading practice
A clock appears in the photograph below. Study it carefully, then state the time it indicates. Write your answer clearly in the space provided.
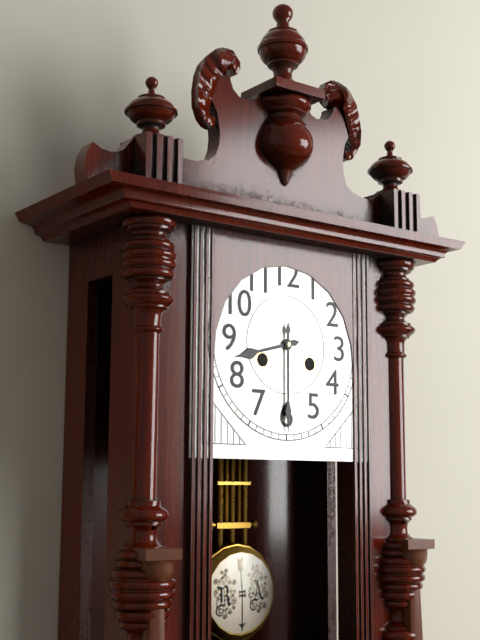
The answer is 8:30
